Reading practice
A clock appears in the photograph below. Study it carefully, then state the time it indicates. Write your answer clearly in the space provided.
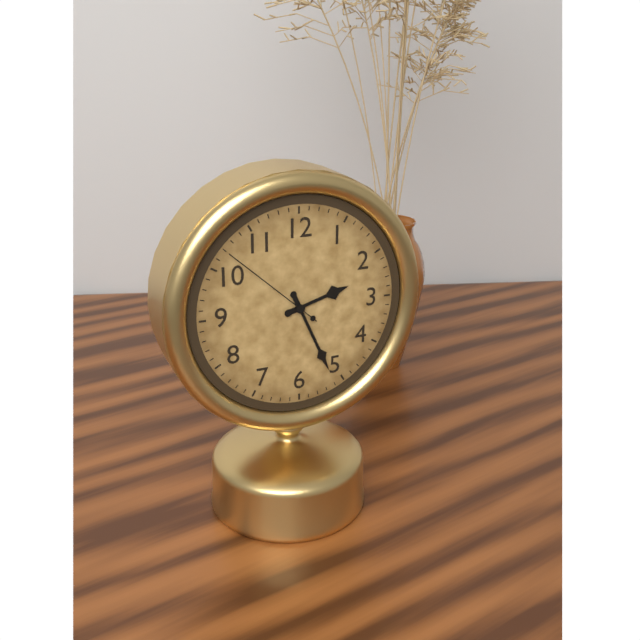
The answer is 2:26:52
